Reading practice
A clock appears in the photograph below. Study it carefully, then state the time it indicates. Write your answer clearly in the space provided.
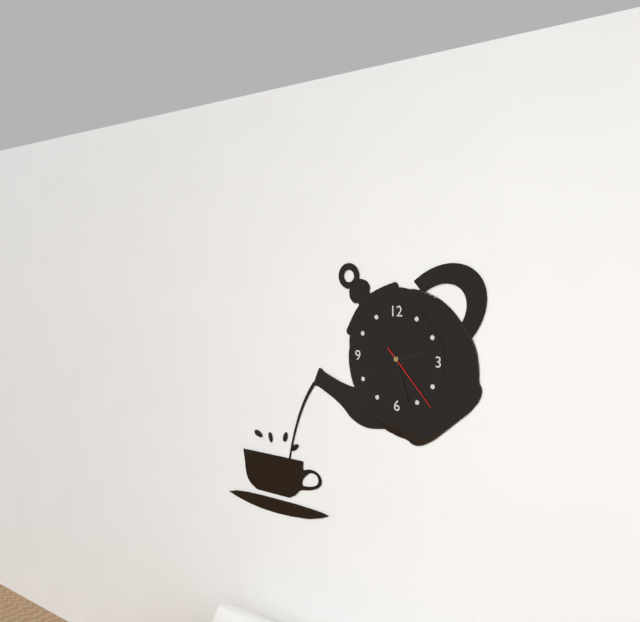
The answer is 2:27:23
